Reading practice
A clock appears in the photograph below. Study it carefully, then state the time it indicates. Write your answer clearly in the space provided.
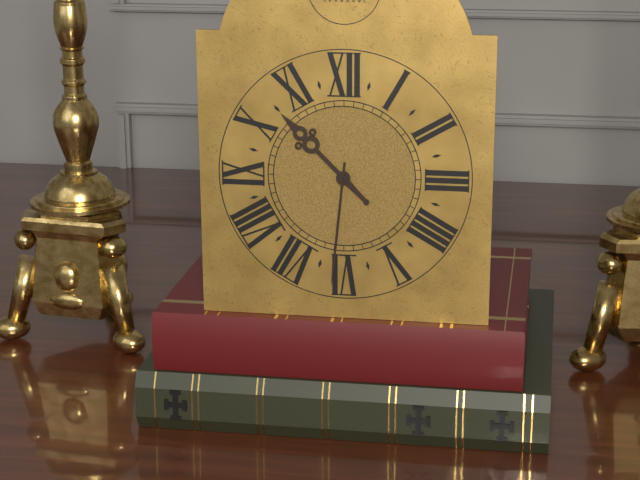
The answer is 10:31
